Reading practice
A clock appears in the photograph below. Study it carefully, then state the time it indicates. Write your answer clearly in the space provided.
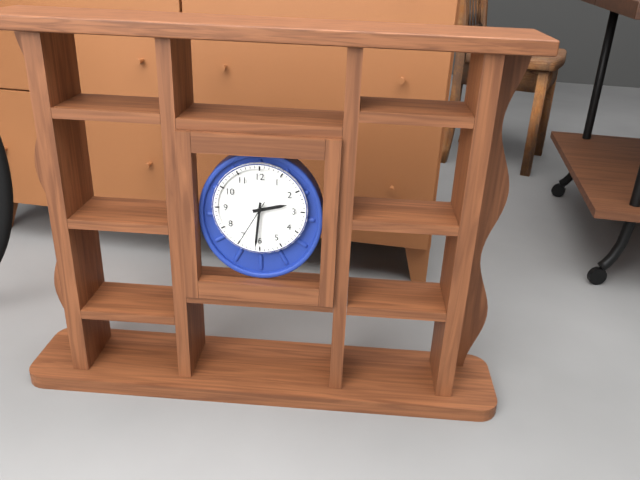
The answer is 2:31
